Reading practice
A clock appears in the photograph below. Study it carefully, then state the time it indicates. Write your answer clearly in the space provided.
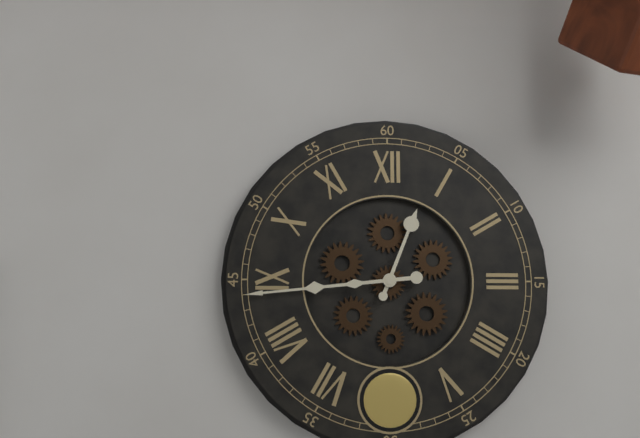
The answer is 12:44
